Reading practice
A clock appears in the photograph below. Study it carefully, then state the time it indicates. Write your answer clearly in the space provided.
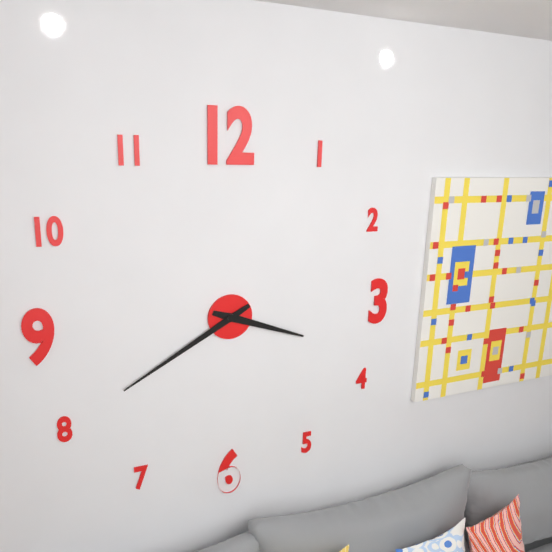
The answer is 3:40
